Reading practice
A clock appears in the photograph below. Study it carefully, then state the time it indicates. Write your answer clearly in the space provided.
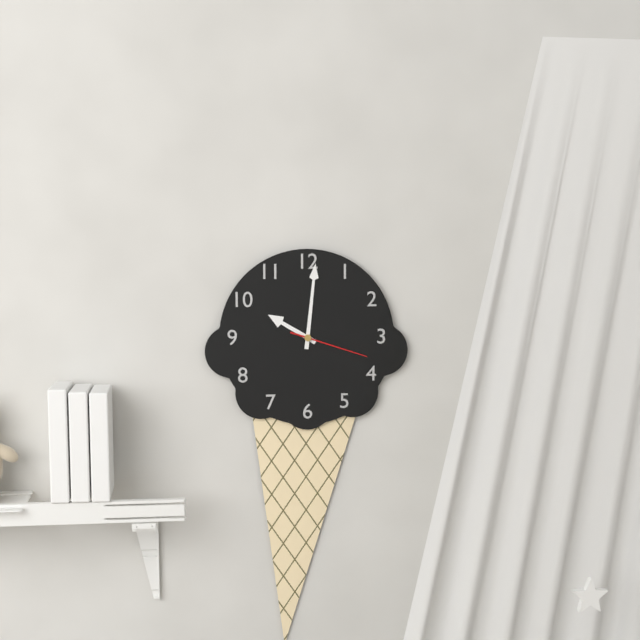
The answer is 10:01:18
